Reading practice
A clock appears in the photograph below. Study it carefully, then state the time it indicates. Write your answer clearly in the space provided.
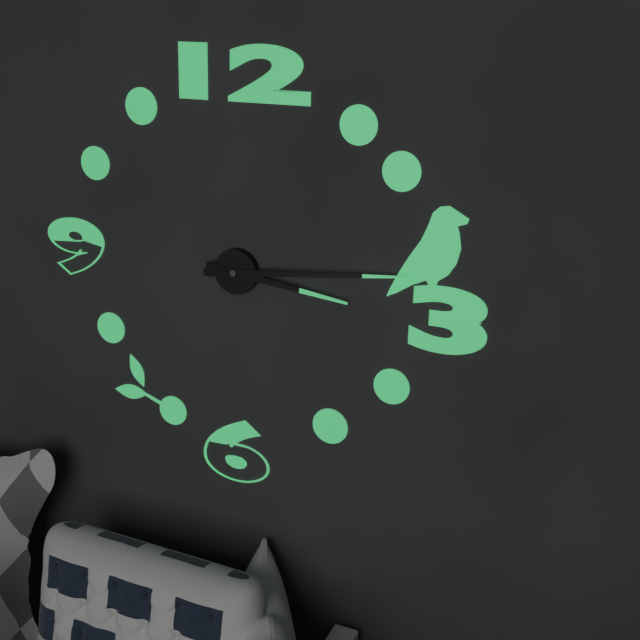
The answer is 3:14
